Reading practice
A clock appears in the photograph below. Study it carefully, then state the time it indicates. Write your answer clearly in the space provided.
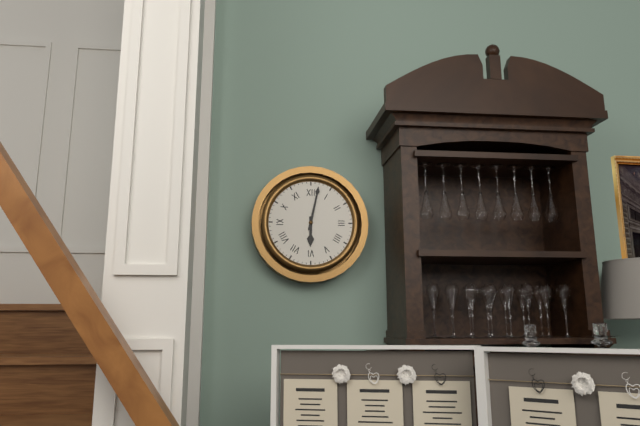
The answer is 6:02
